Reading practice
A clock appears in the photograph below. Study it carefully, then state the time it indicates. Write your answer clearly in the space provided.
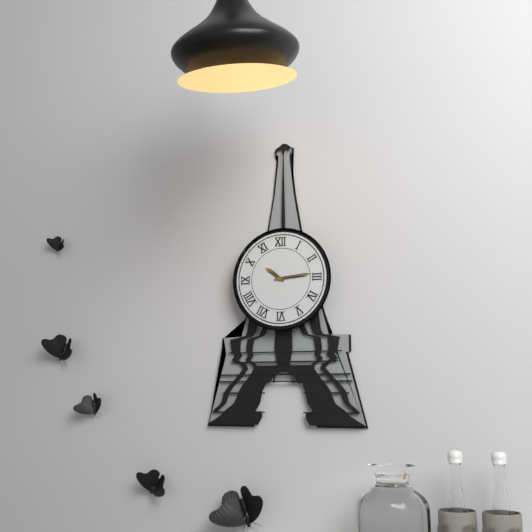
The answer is 10:14
